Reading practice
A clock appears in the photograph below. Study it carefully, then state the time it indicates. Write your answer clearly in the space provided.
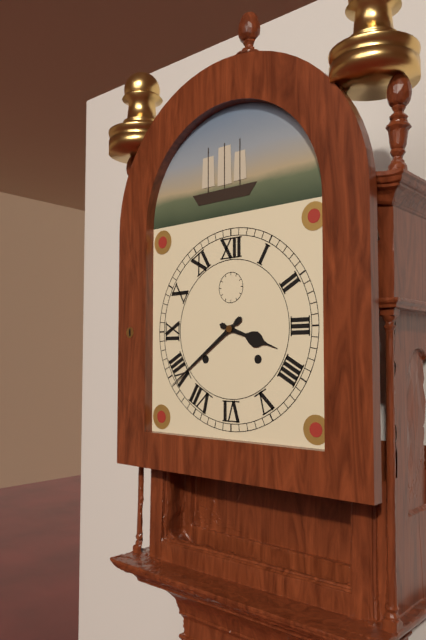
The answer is 3:39
